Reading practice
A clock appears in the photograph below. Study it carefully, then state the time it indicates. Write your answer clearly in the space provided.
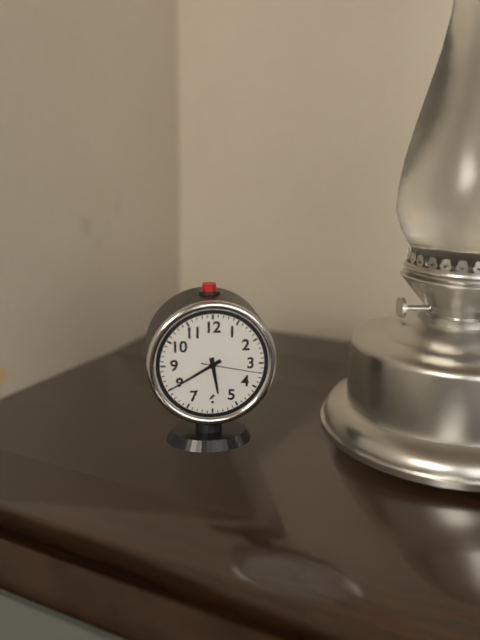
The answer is 5:40:17
